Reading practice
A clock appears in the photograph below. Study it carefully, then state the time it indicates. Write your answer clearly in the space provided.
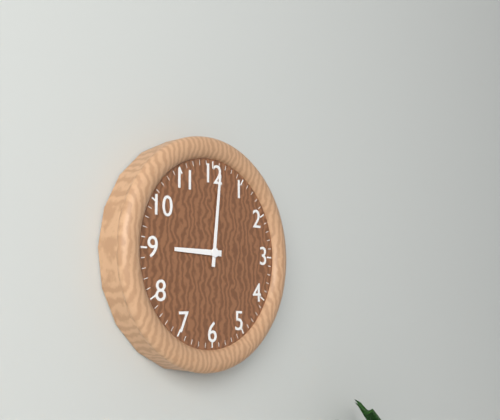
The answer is 9:01
